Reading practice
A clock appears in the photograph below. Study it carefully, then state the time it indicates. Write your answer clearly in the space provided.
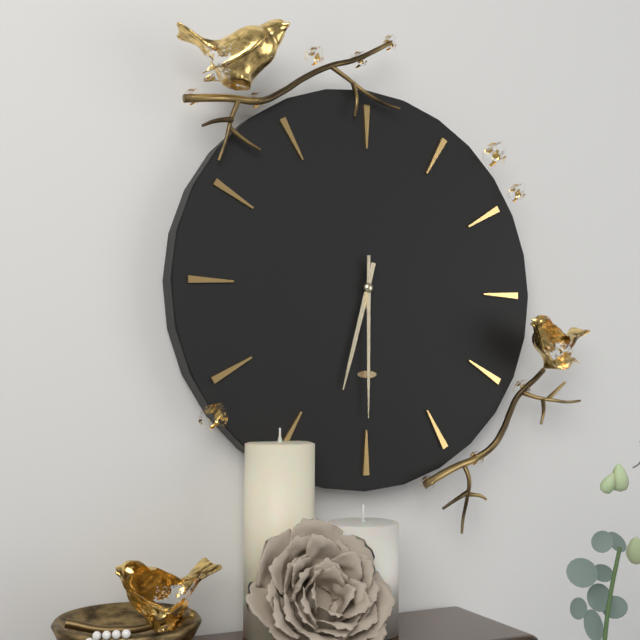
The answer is 6:30
